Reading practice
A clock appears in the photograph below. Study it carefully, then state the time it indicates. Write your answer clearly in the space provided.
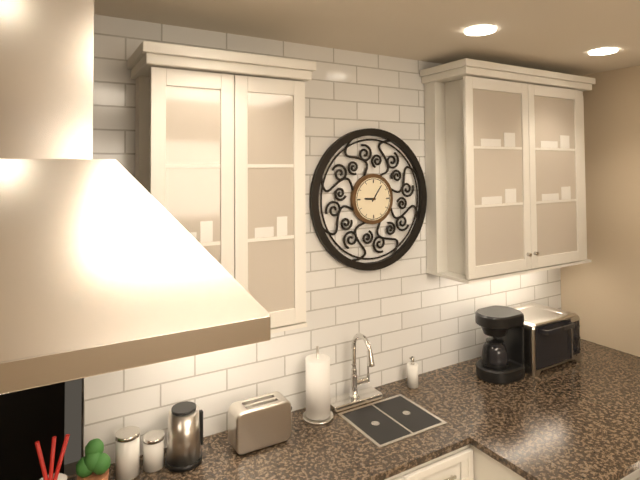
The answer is 9:06
